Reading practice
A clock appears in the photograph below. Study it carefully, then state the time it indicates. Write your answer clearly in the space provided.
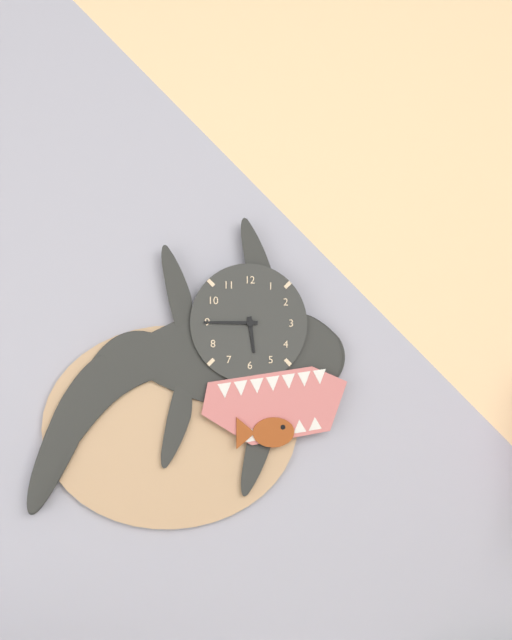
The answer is 5:45
